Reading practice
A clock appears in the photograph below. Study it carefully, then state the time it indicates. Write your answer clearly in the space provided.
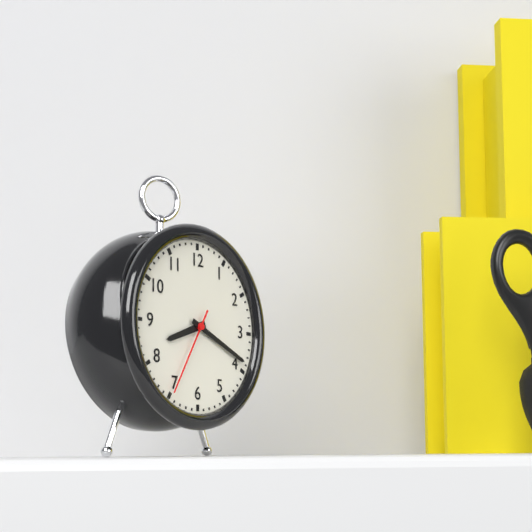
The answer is 8:19:35
